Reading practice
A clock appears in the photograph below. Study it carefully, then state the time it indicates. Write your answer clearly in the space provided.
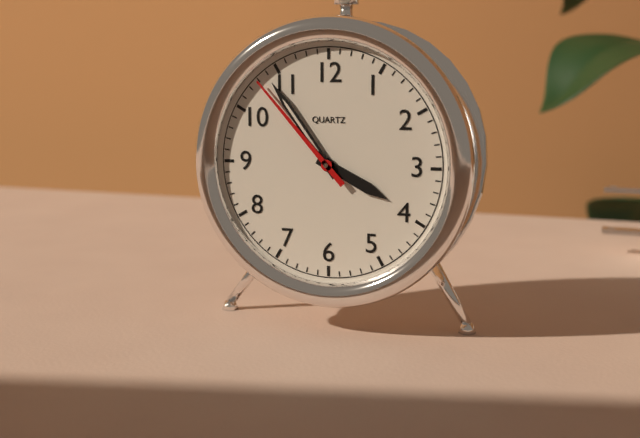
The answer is 3:54:53
